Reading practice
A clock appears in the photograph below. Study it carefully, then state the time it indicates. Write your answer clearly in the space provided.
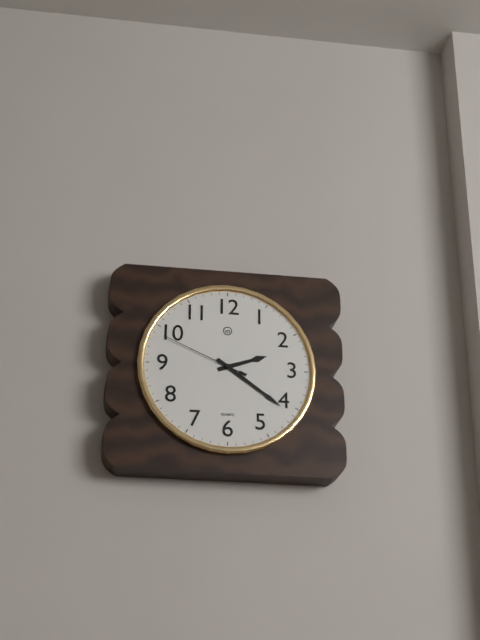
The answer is 2:21:49
